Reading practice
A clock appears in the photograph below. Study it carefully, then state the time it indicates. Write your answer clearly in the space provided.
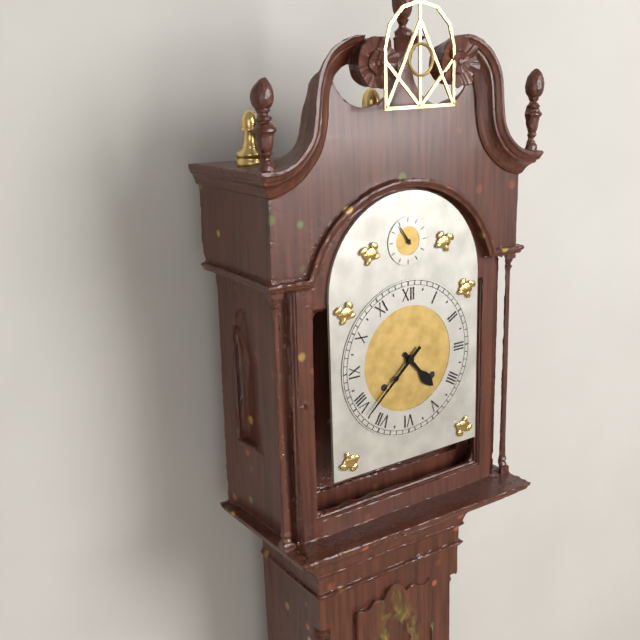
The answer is 4:38
